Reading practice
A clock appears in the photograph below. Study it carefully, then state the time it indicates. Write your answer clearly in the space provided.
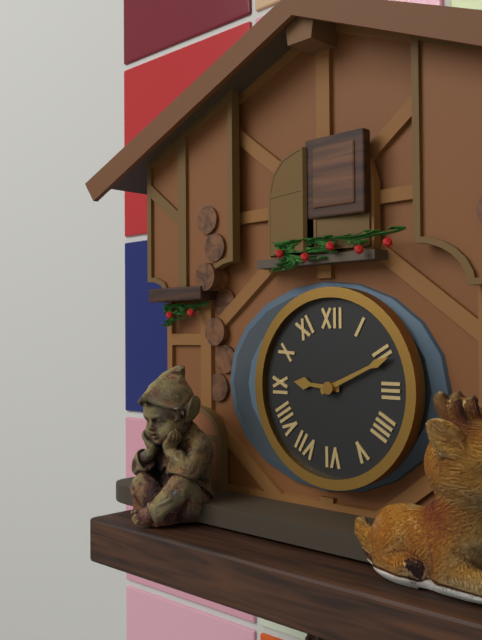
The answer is 9:11
